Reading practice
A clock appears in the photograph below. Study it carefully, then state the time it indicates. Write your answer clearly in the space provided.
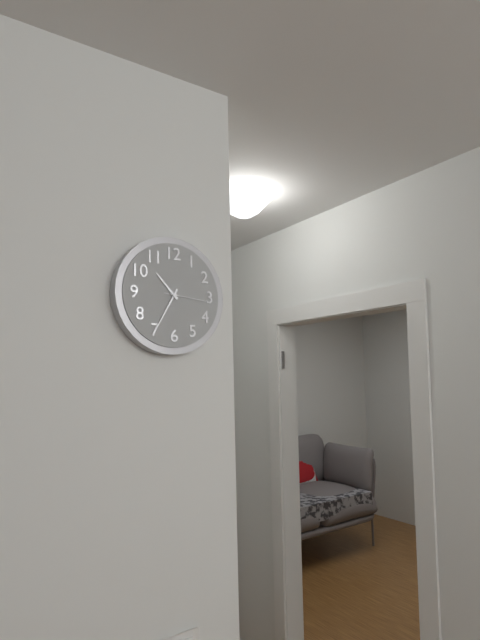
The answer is 10:35
